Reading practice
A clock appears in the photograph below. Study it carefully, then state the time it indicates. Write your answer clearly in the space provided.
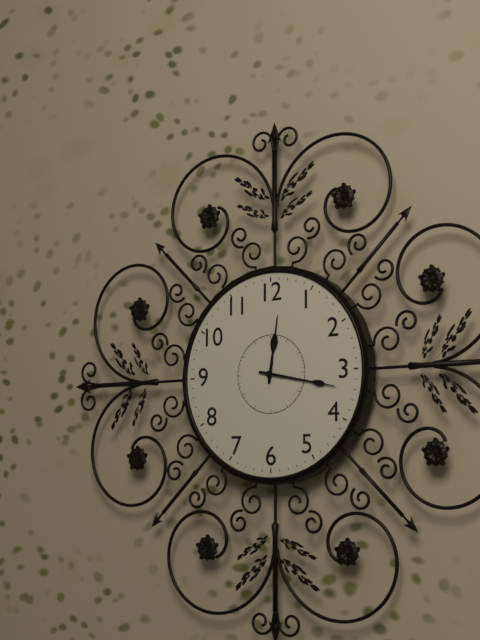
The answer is 12:17
